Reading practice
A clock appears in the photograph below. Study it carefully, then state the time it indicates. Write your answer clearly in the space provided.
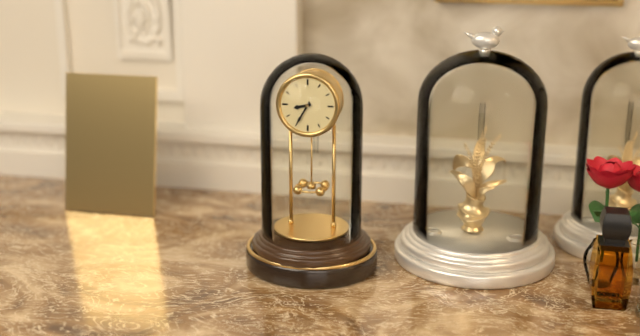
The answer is 8:35
